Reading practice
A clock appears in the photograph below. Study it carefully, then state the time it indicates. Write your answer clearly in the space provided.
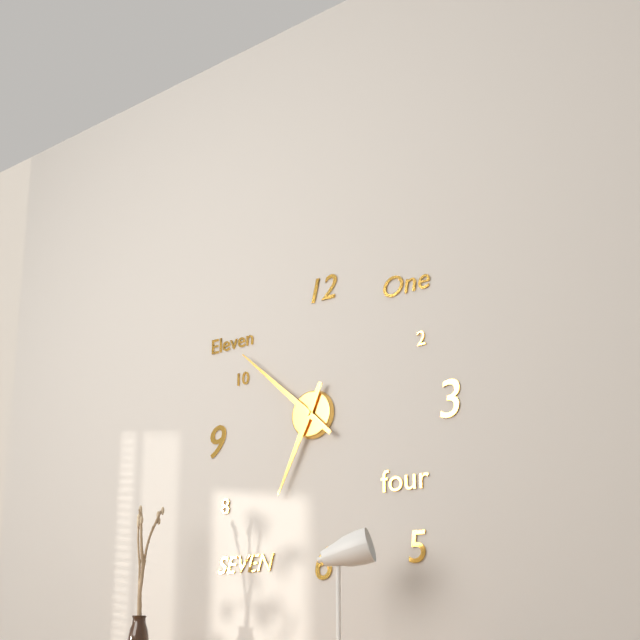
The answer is 6:52
